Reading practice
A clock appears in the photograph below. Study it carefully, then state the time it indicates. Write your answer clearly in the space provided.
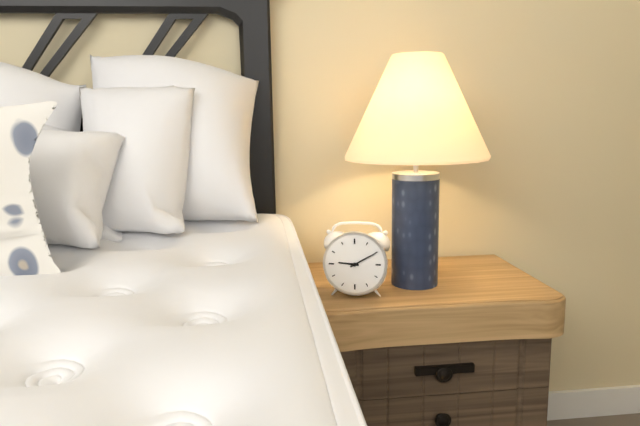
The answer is 9:10
